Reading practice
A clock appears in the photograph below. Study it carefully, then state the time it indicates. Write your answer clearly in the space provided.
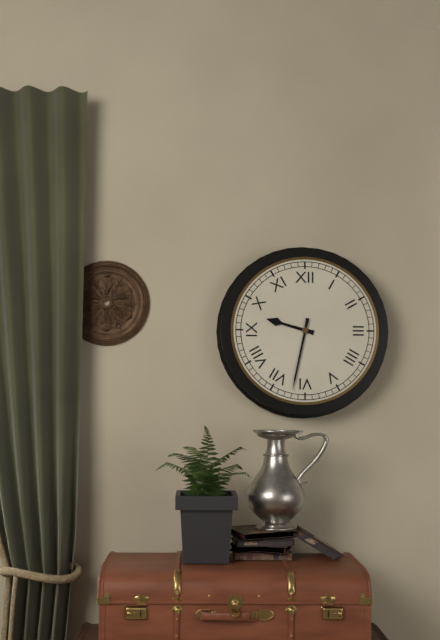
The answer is 9:32
